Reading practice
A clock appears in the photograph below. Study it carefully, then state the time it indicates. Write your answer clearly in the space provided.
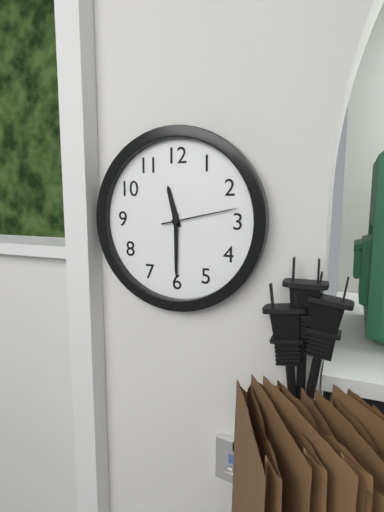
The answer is 11:30:13
